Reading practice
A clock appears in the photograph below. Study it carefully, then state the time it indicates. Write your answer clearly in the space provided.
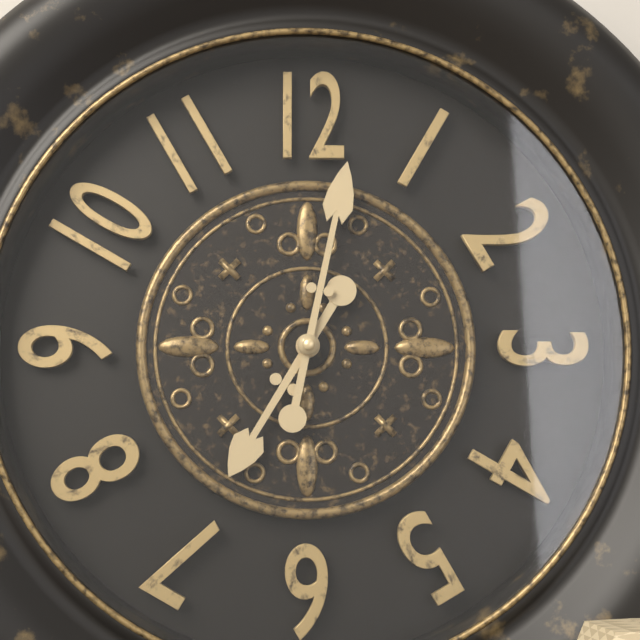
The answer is 7:02
